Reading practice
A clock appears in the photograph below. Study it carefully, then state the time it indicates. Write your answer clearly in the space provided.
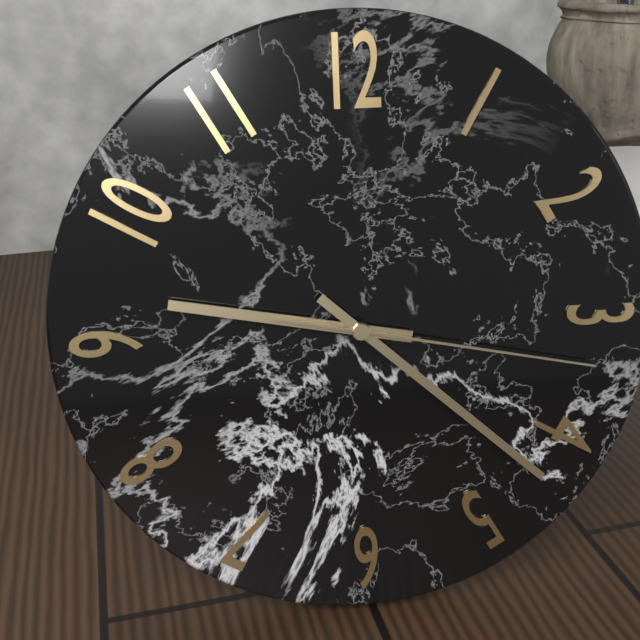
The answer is 9:22:17
